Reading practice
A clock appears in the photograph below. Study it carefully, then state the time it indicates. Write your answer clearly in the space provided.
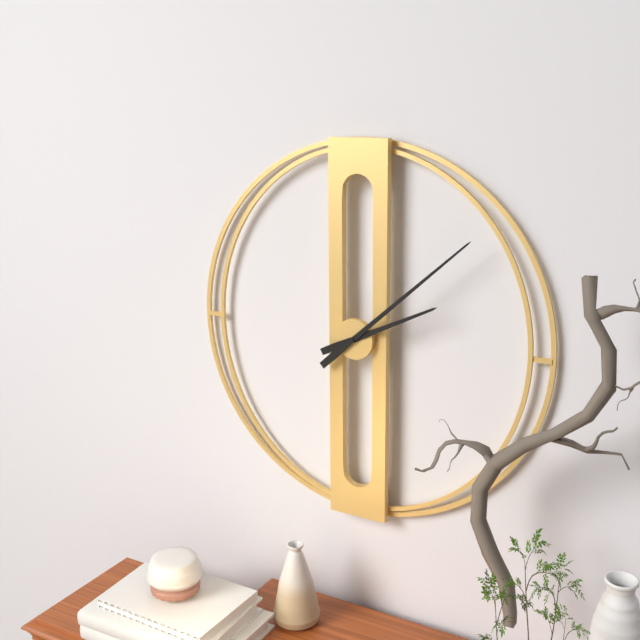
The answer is 2:08
